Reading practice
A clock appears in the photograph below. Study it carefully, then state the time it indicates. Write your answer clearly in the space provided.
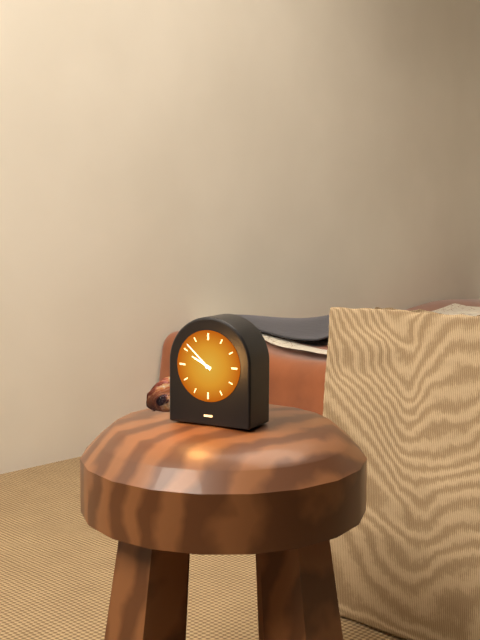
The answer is 9:52
